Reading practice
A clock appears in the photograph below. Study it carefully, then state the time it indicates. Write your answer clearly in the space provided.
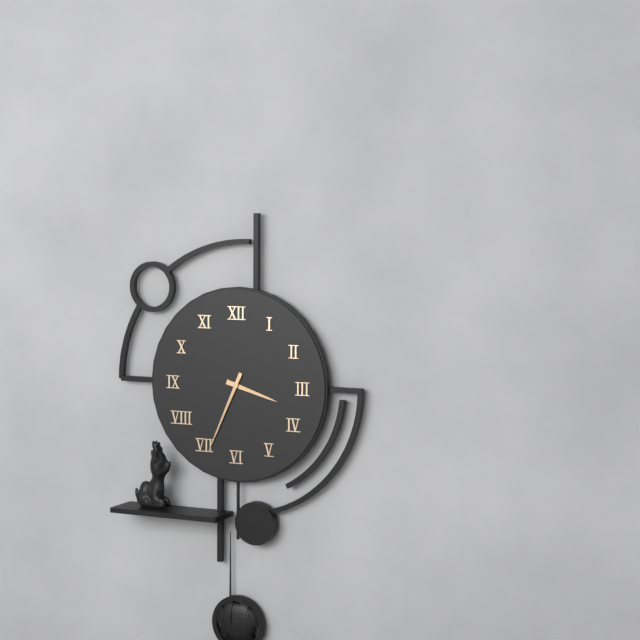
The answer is 3:34
